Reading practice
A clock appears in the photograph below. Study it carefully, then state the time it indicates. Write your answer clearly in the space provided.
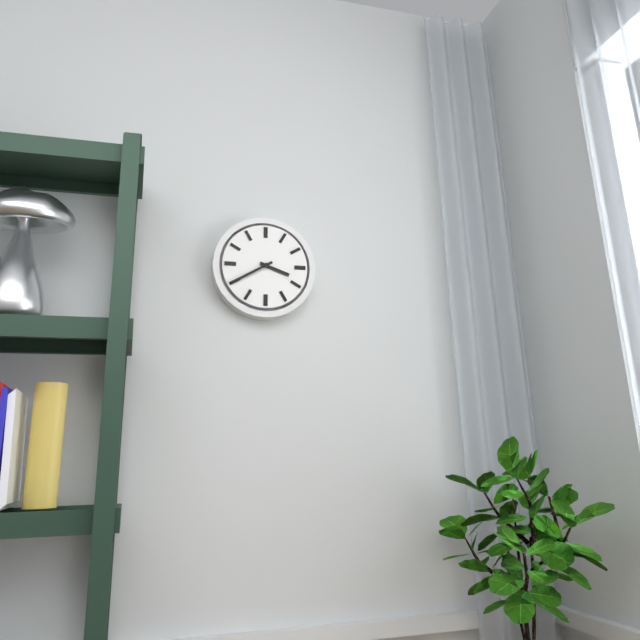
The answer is 3:40
